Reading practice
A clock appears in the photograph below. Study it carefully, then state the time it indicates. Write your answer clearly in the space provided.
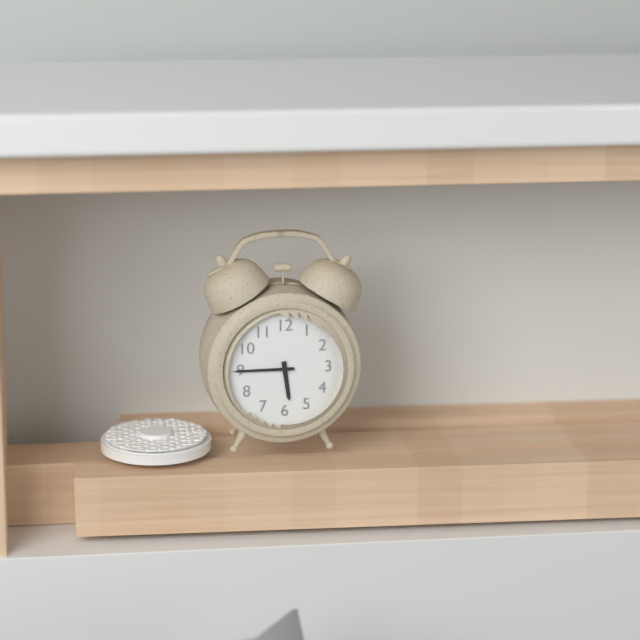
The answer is 5:45
